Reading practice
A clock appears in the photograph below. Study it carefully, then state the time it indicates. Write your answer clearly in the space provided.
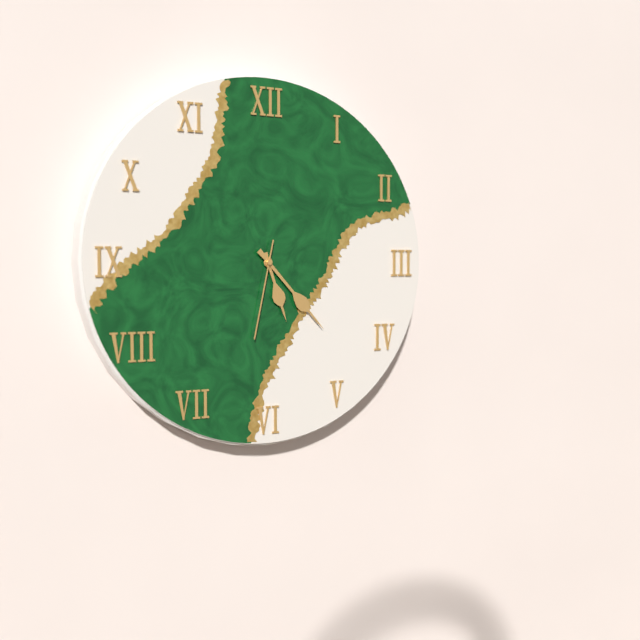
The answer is 5:23:32
